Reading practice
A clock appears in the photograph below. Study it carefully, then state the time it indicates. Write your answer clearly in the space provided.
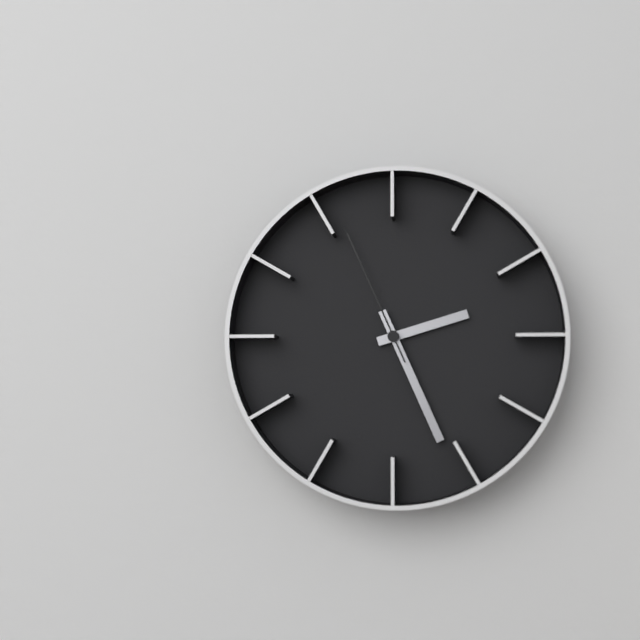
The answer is 2:26:56
